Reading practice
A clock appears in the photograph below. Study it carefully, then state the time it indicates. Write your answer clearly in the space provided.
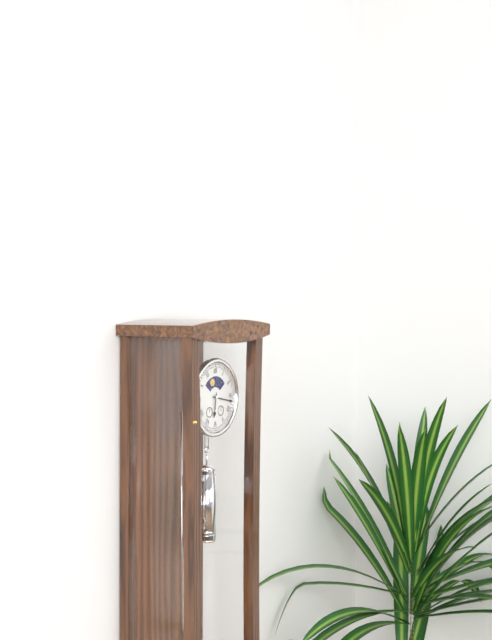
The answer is 6:17
